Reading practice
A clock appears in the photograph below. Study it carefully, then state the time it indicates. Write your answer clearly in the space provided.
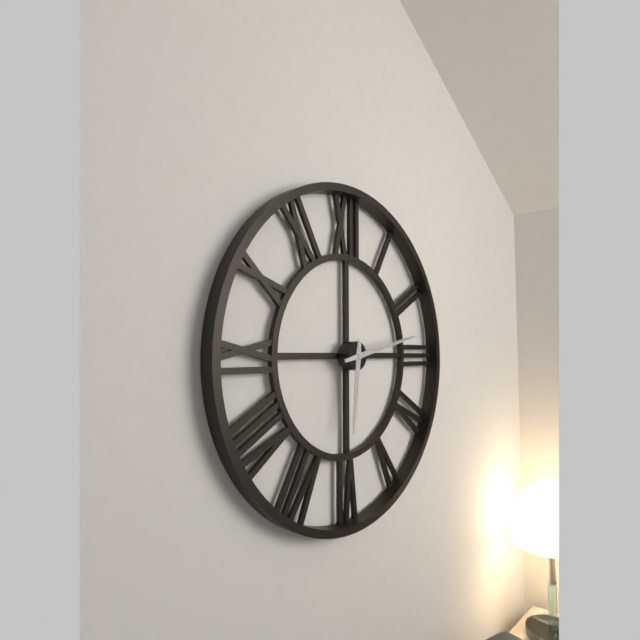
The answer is 6:13
